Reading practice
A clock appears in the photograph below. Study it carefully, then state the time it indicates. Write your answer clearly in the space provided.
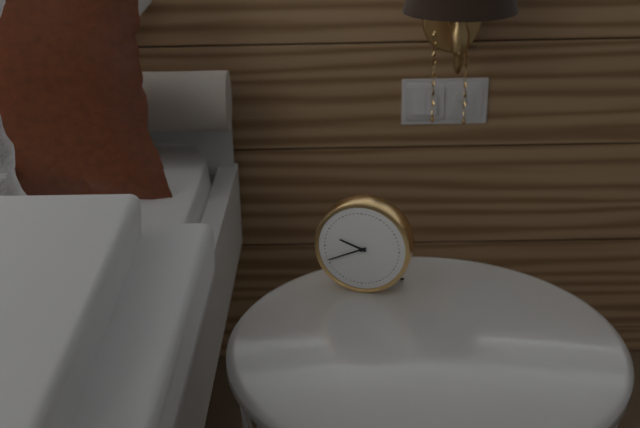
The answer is 9:41
